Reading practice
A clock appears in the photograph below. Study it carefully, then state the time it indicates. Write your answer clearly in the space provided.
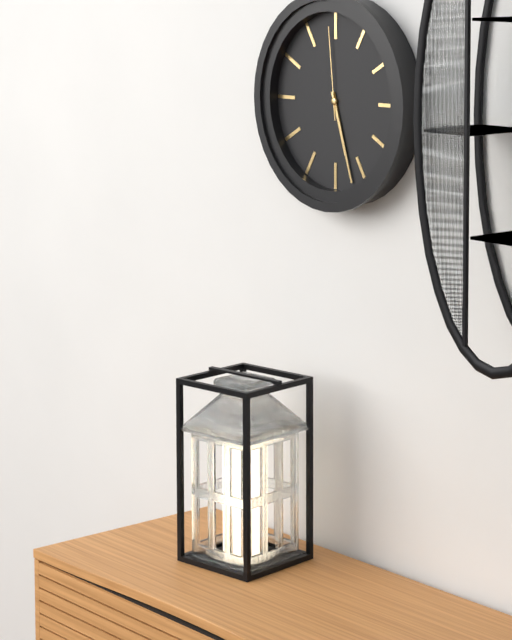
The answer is 5:27:59
